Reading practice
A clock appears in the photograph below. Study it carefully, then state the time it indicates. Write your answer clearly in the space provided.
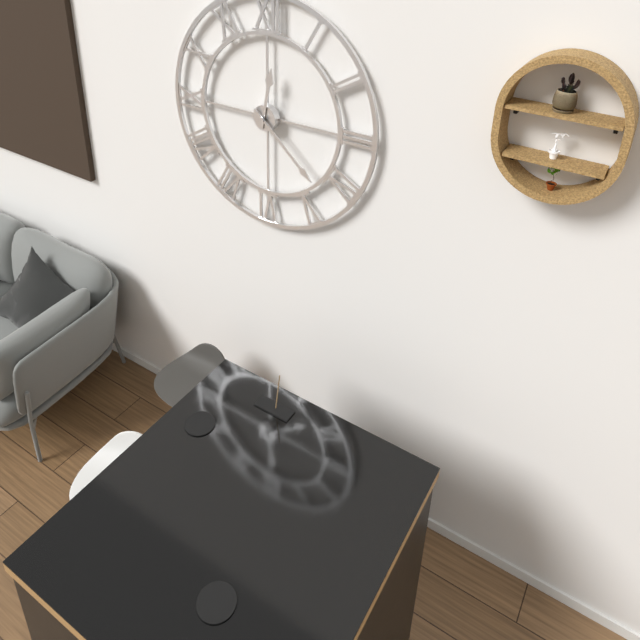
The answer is 12:22
